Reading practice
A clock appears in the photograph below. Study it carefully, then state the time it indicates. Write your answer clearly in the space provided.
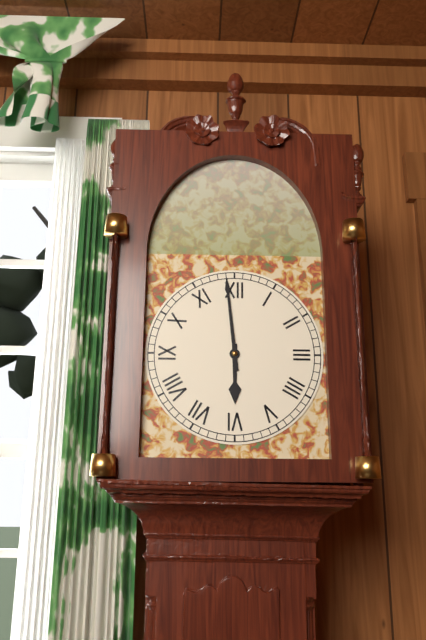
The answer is 5:59
